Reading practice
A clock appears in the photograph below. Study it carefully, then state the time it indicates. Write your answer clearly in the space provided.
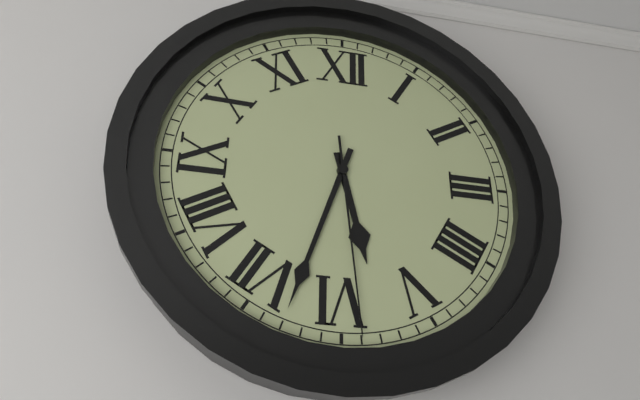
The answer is 5:33:29
